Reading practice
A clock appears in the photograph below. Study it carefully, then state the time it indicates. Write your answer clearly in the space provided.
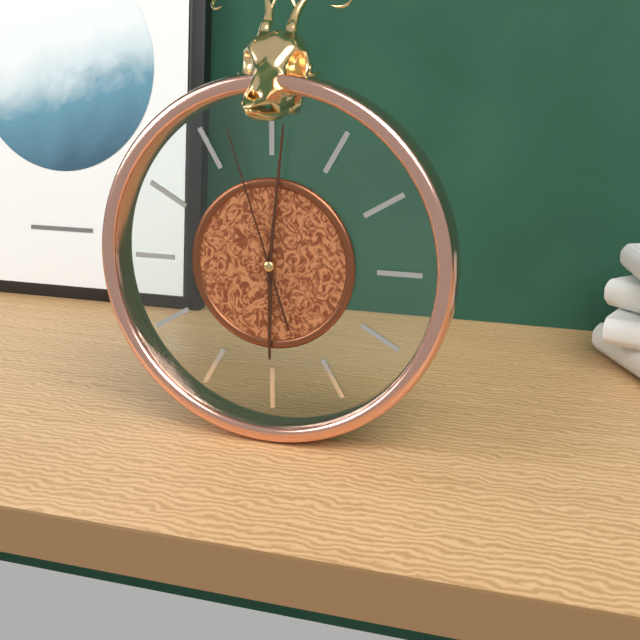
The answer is 6:01:57
